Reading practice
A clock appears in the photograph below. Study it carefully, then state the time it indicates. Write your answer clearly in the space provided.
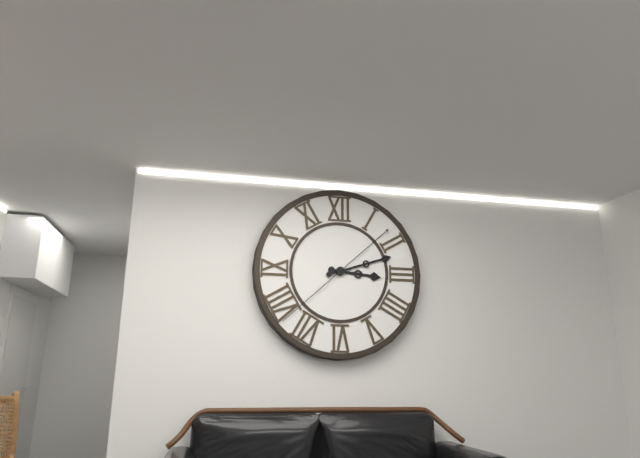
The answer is 3:12:38
